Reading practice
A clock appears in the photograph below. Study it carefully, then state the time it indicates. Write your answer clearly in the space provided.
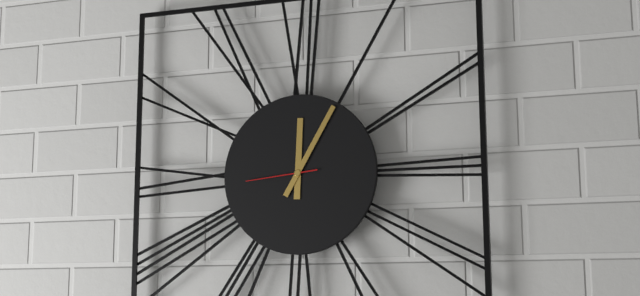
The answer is 12:05:44
